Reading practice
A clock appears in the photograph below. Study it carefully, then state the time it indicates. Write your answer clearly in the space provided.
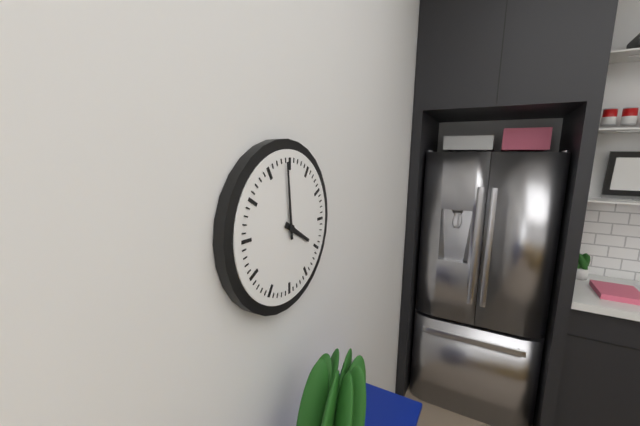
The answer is 3:59
